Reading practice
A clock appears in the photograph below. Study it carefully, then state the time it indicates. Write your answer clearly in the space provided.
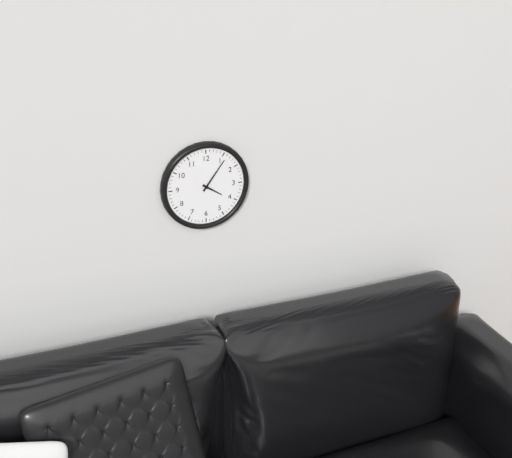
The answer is 4:06
